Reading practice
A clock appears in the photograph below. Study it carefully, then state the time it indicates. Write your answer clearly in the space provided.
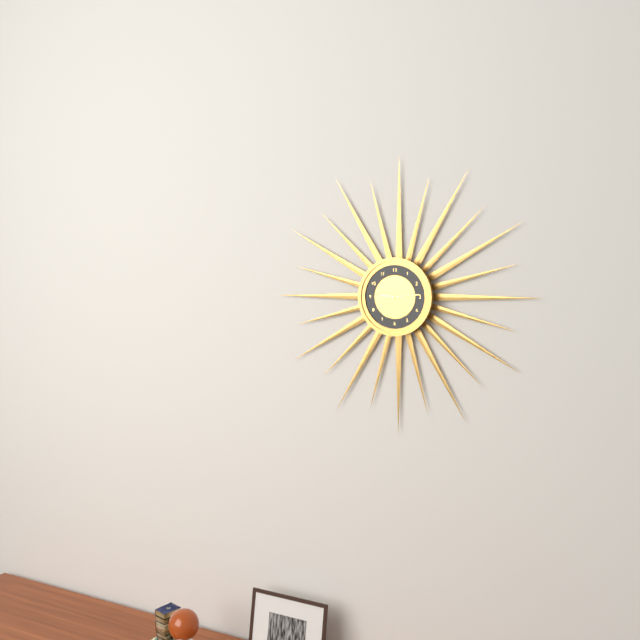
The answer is 9:14
